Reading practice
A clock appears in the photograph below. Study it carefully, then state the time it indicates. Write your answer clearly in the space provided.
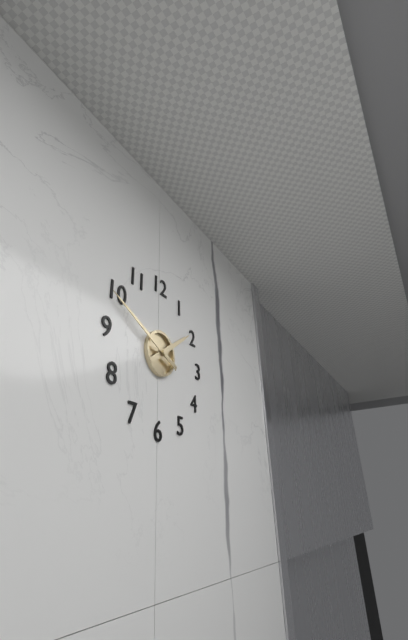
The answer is 1:49
